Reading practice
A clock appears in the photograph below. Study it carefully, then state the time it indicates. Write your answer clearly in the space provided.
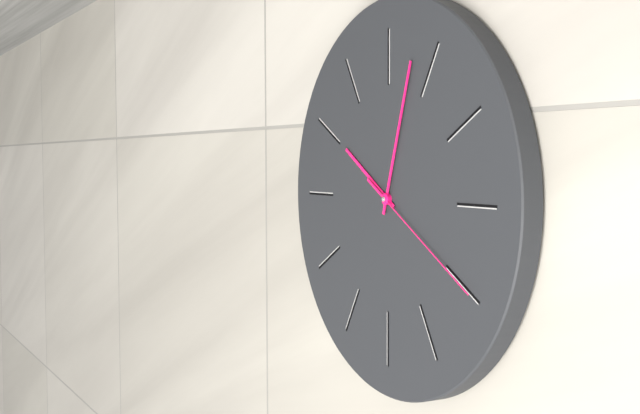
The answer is 10:03:20
